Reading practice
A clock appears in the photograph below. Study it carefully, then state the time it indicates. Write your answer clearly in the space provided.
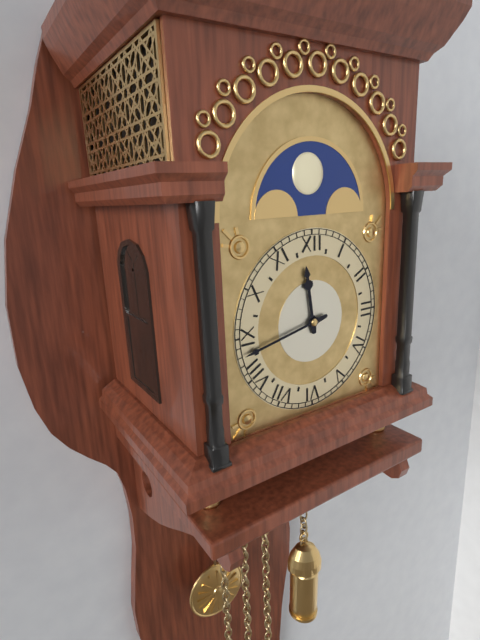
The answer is 11:43
